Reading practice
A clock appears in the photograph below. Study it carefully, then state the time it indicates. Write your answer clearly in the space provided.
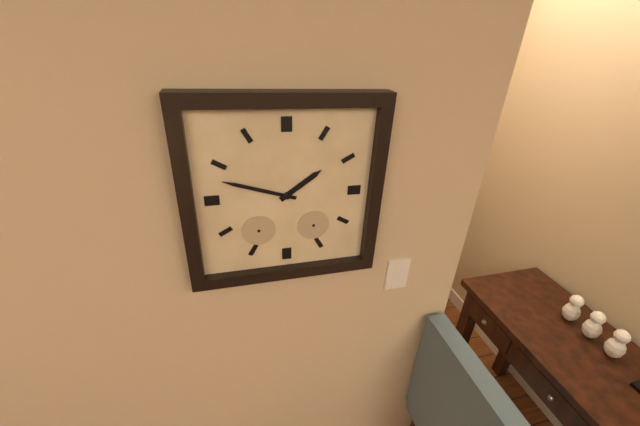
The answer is 1:48
